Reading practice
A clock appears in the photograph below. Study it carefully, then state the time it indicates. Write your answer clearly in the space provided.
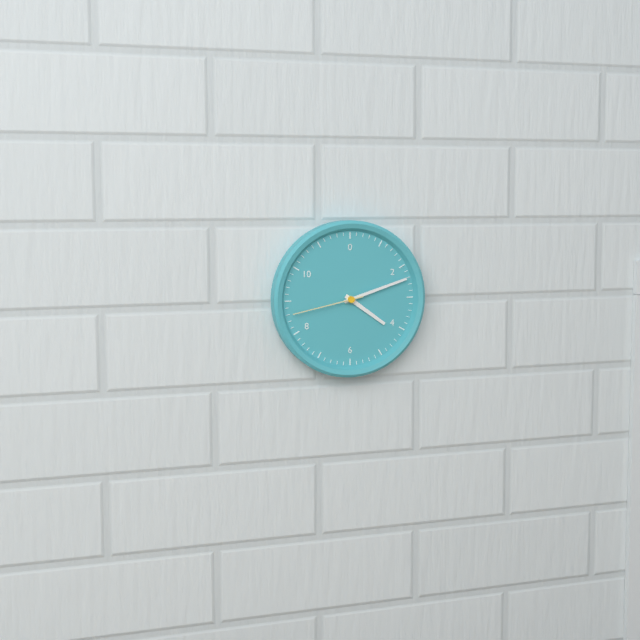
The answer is 4:12:43
